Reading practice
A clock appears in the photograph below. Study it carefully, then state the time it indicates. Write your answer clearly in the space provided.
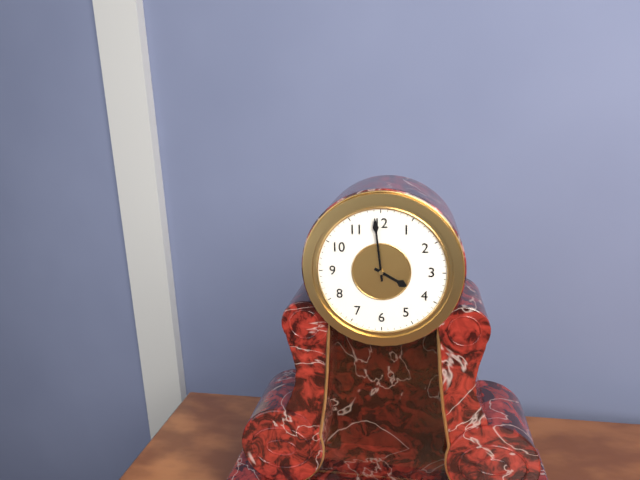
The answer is 3:59
